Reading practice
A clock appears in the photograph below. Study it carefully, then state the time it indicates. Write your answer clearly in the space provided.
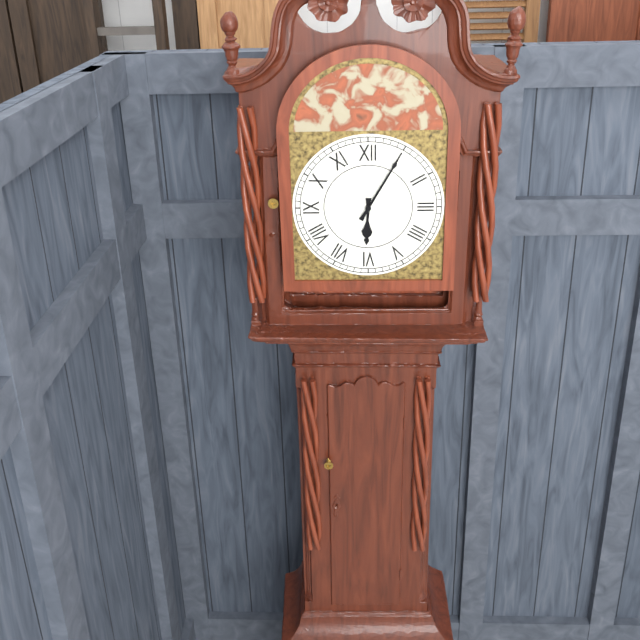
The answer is 6:05
